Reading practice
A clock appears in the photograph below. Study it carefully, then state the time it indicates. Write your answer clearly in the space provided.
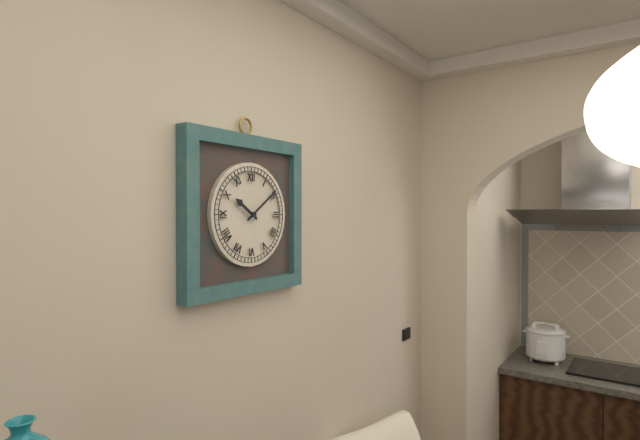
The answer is 10:09
